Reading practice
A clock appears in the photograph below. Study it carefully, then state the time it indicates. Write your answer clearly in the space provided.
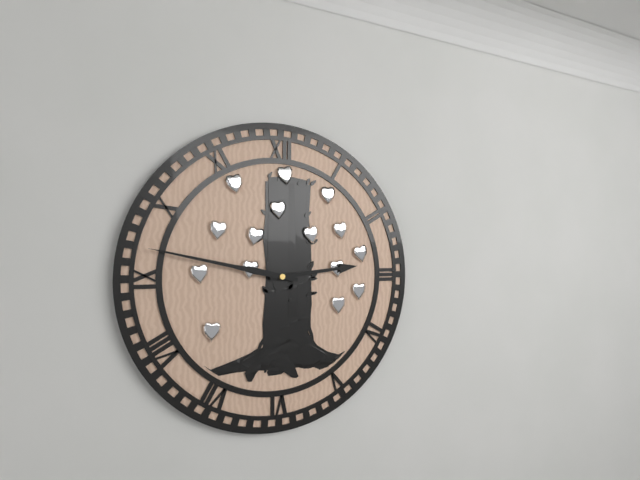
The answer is 2:47
